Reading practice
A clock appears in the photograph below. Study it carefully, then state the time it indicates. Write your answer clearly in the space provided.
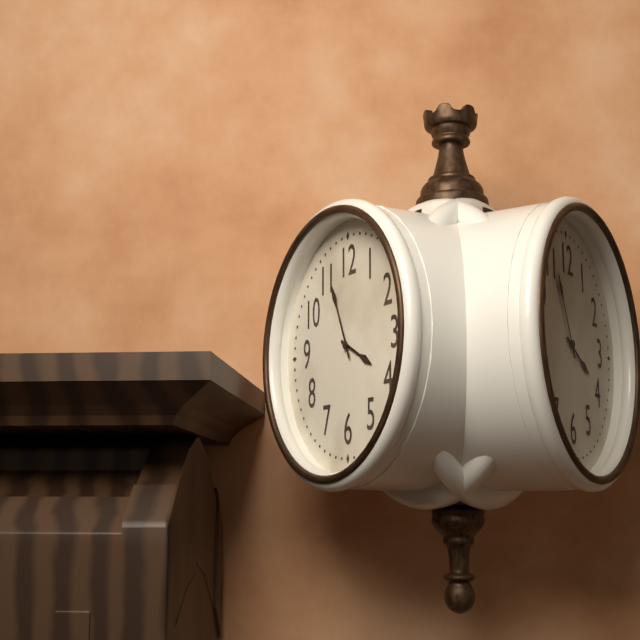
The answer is 3:56
